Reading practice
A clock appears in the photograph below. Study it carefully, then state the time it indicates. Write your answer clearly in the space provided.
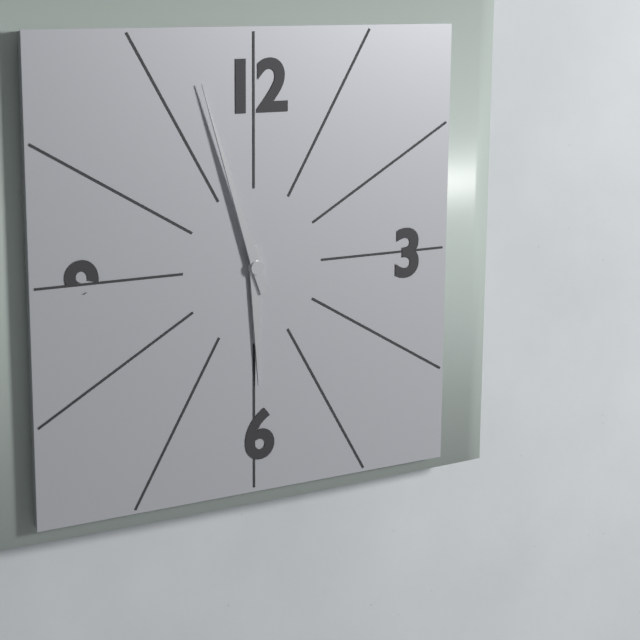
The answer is 5:57
